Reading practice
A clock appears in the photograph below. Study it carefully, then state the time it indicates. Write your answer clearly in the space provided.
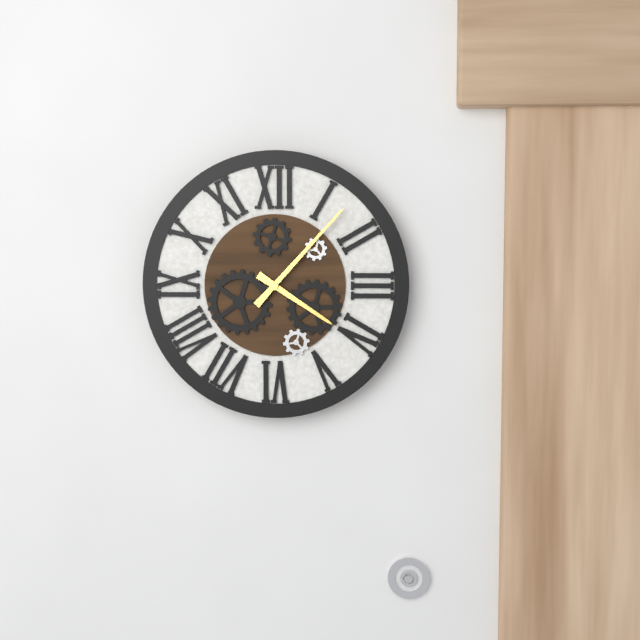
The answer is 4:07
